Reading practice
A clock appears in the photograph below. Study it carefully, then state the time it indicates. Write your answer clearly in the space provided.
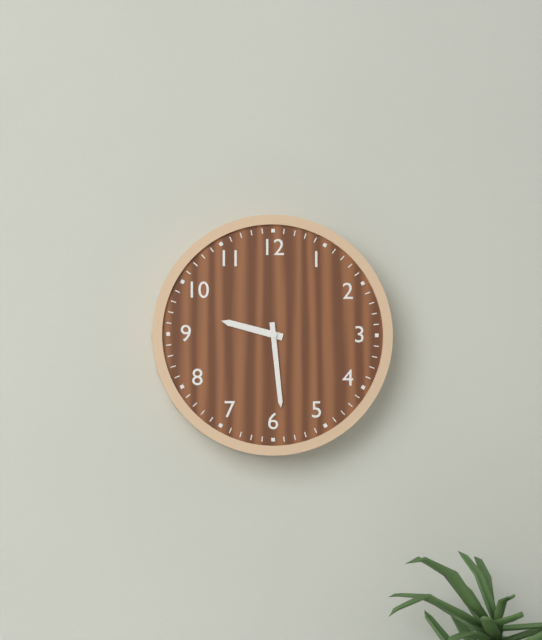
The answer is 9:29
